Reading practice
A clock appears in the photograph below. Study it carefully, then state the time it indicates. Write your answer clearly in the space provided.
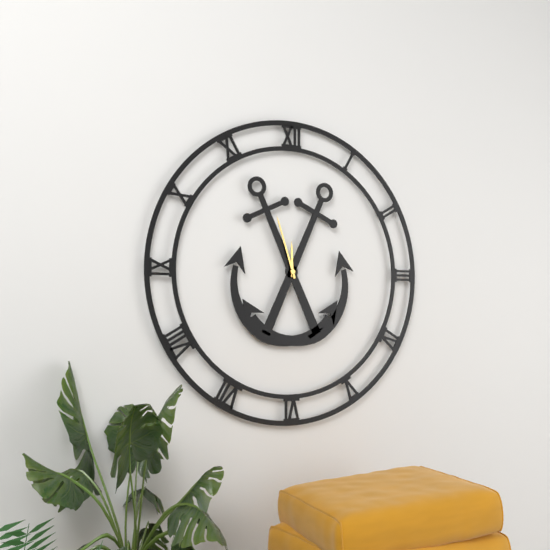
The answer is 11:57
